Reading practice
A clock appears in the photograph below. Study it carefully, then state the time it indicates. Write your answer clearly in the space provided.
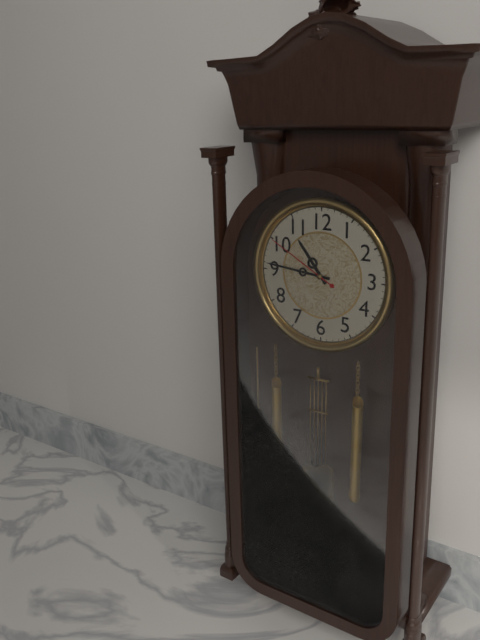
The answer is 10:46:50
